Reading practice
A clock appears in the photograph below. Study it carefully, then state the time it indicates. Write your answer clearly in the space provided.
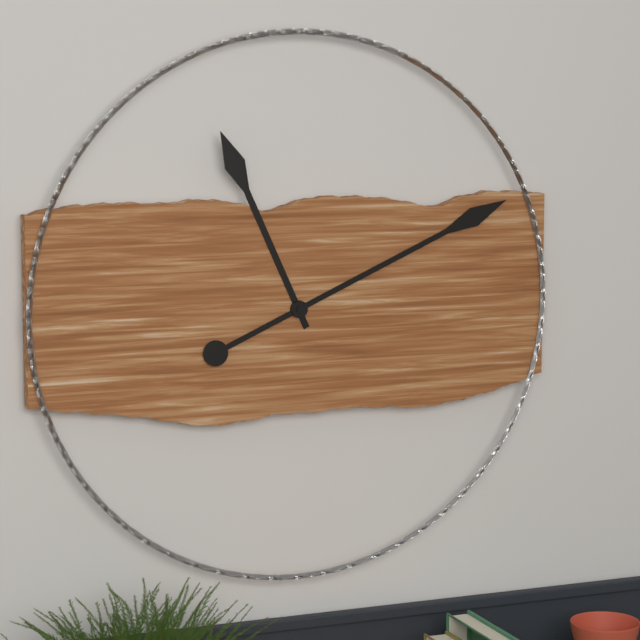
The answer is 11:11
